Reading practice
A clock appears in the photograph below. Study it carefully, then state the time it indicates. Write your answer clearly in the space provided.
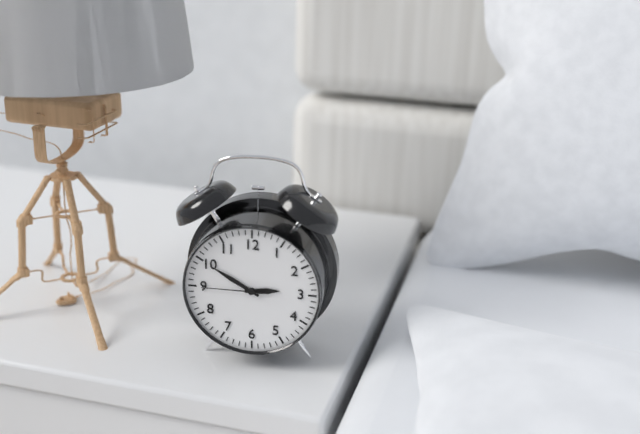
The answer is 2:50:45
